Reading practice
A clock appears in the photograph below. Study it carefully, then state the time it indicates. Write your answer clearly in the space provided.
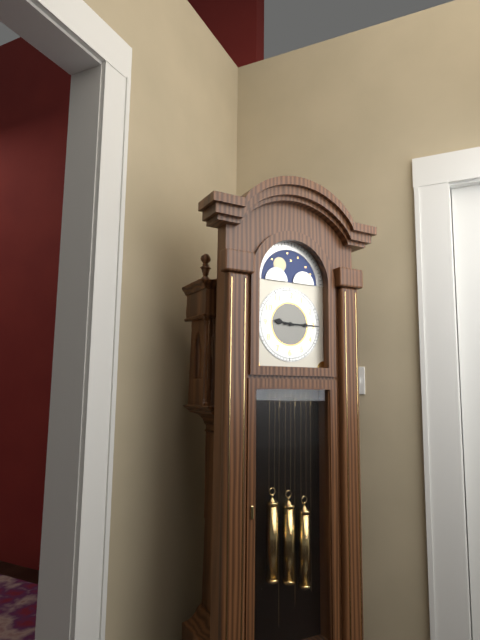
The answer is 9:15
